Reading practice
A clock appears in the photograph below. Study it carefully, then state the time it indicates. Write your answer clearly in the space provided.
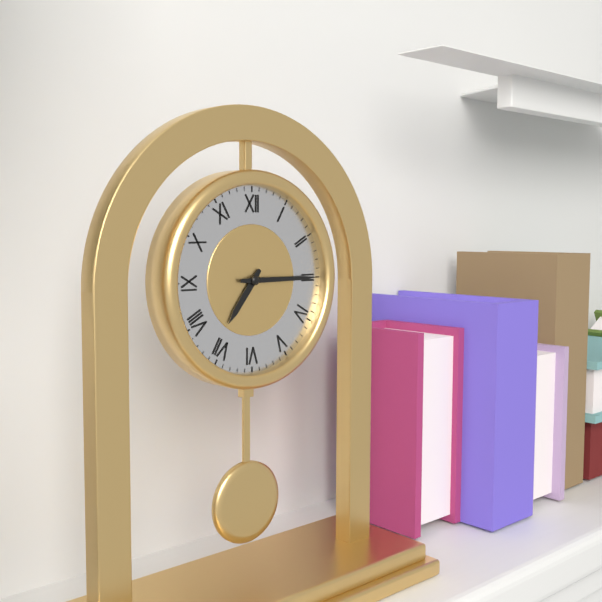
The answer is 7:15
